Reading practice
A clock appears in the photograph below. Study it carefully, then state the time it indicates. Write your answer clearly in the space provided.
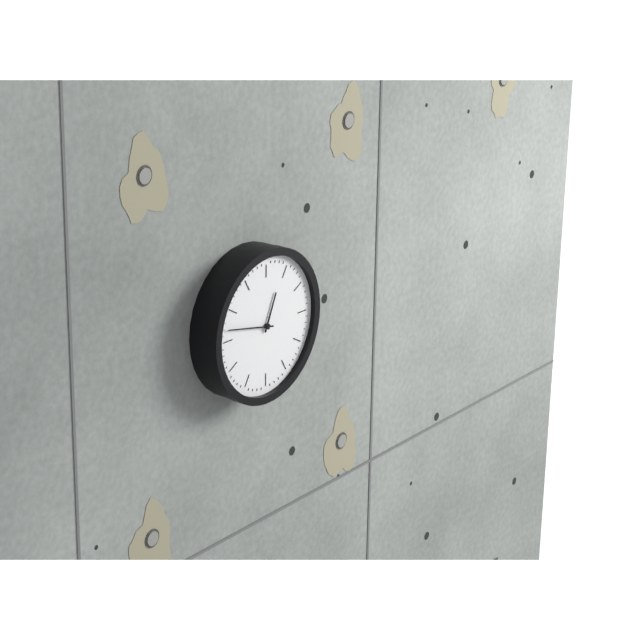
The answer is 12:47
